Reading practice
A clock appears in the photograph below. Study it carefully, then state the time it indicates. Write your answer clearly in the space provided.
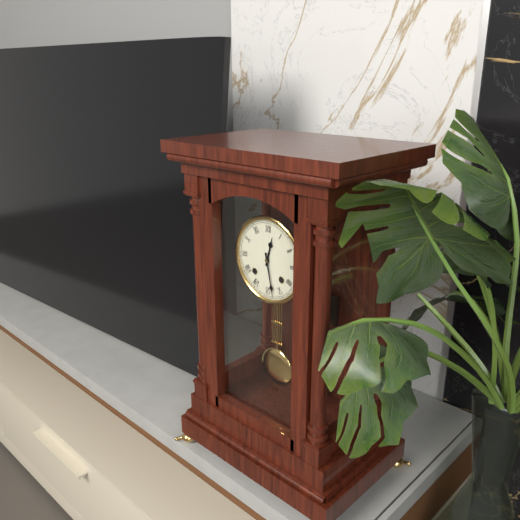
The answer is 12:28
